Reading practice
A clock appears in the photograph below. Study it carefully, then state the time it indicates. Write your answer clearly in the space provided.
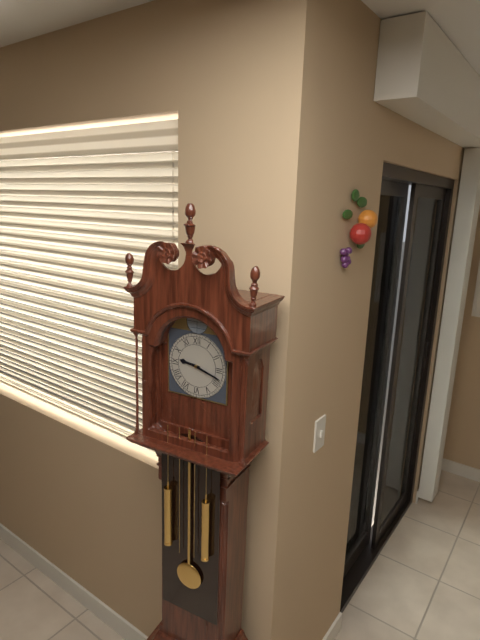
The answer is 9:18
